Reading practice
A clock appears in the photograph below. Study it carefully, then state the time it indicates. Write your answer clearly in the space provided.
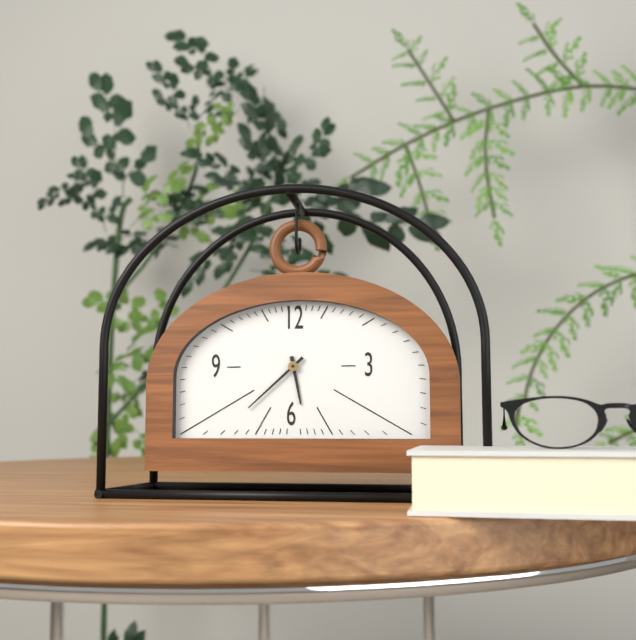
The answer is 5:38
